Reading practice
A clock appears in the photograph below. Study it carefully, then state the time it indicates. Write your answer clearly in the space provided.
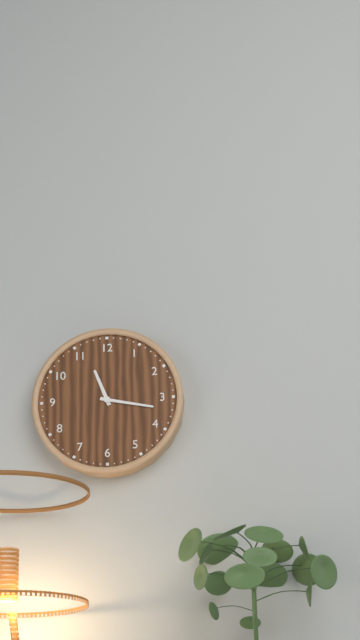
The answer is 11:17
